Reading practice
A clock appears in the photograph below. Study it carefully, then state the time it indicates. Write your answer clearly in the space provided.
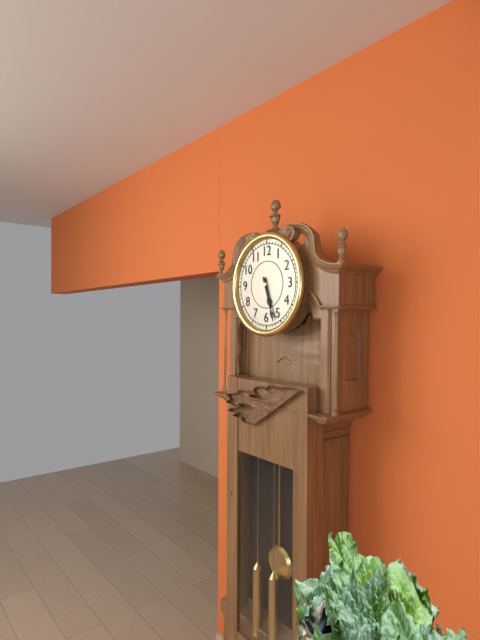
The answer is 5:27
